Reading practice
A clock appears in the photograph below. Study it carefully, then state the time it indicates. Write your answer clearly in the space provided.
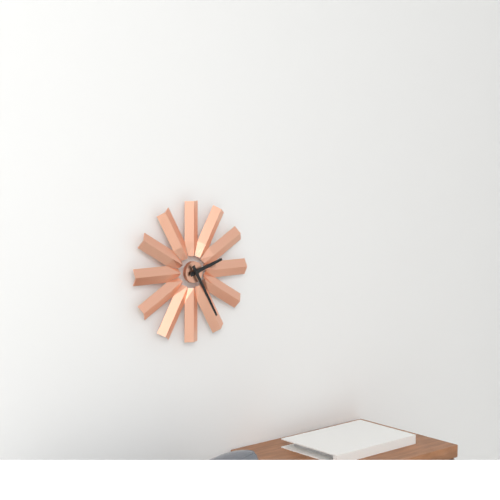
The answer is 2:25
